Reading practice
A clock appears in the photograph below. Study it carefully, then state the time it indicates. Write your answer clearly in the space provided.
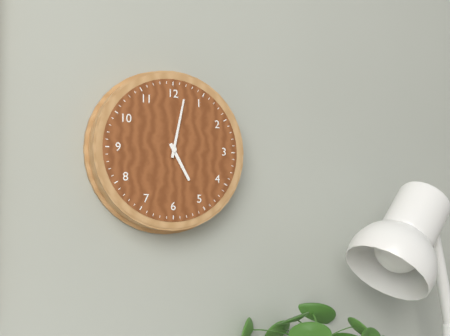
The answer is 5:02
